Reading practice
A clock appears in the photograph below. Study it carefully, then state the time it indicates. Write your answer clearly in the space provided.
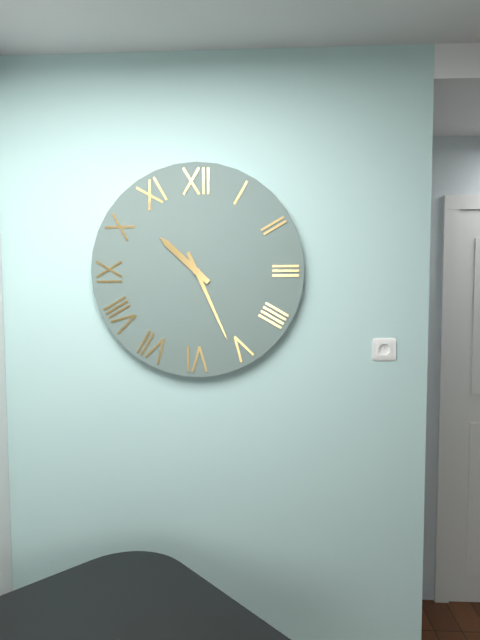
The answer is 10:26
